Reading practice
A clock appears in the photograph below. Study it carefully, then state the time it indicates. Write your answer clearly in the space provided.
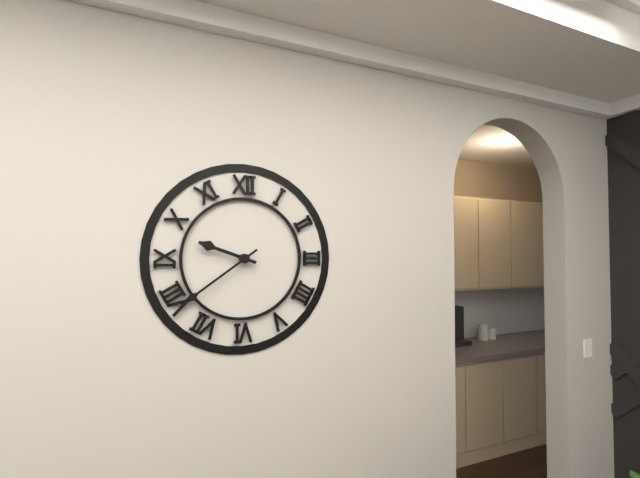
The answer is 9:39
